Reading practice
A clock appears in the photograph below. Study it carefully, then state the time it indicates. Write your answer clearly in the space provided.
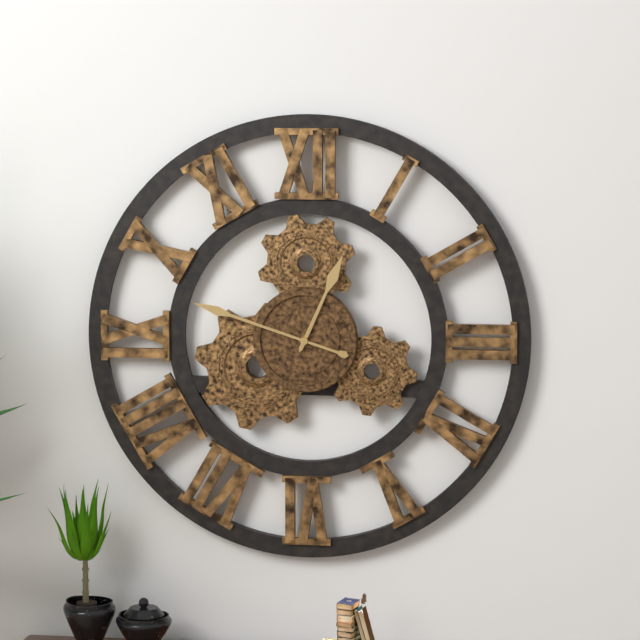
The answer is 12:48
